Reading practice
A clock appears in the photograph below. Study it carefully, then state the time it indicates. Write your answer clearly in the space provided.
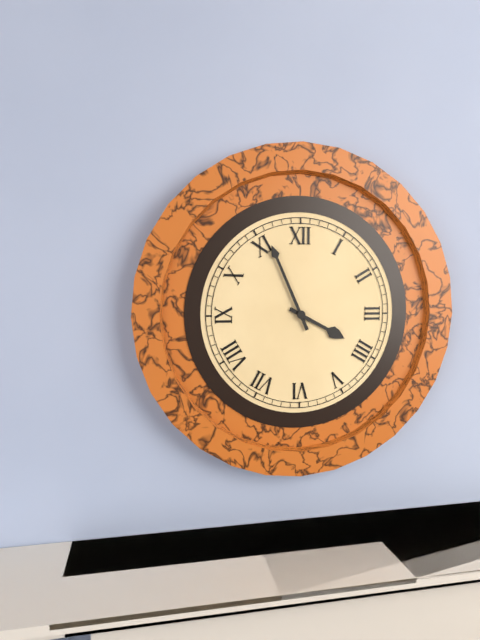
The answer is 3:56
